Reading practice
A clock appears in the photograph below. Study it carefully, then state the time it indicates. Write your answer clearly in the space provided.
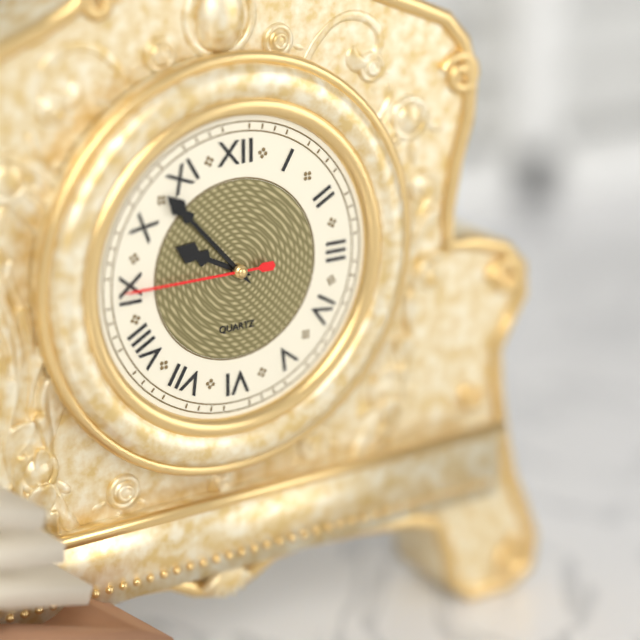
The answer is 9:53:45
